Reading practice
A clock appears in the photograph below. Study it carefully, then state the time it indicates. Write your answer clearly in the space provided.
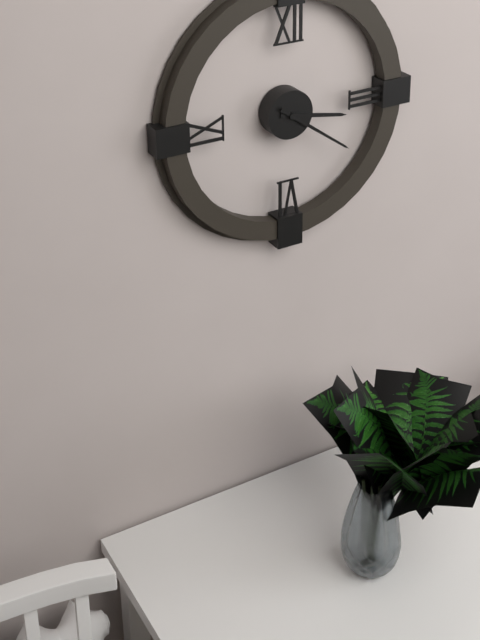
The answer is 3:21
